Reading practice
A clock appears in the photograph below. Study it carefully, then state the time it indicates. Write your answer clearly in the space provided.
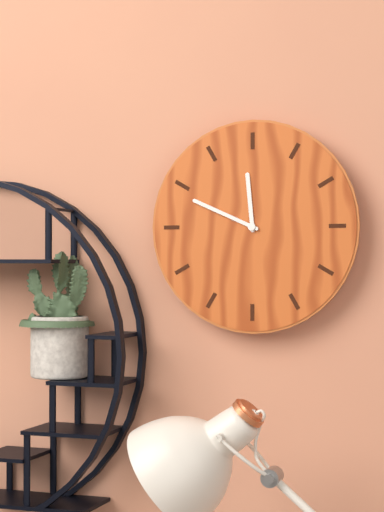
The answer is 11:49
